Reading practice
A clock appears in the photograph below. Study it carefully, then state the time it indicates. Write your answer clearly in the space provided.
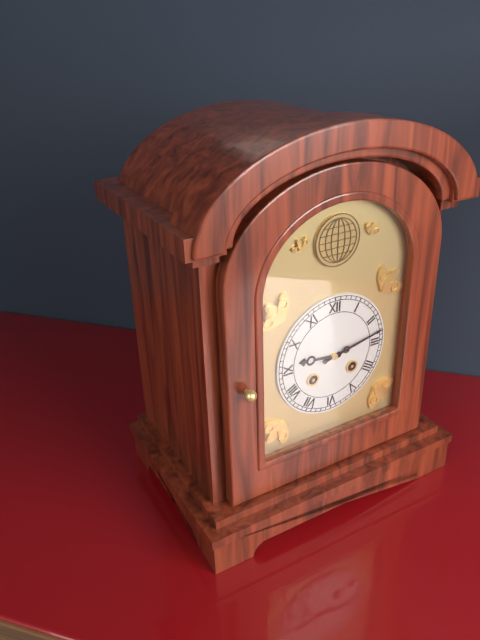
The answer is 9:13
